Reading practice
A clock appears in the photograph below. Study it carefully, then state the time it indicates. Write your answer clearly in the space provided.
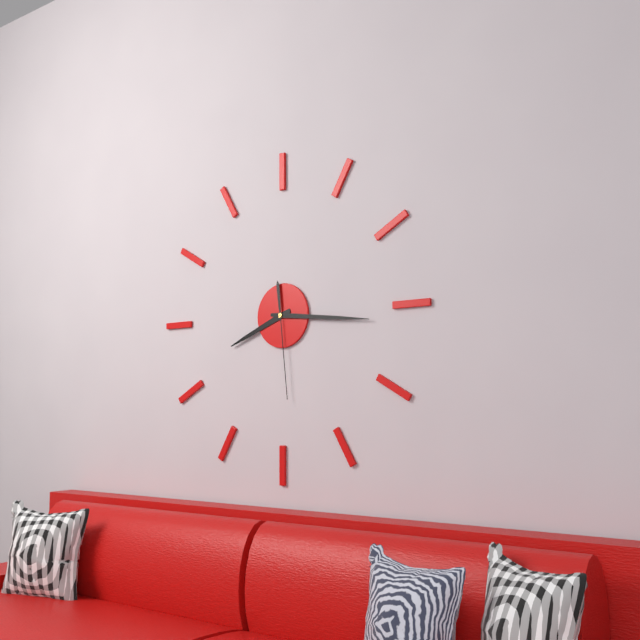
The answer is 8:16:29
